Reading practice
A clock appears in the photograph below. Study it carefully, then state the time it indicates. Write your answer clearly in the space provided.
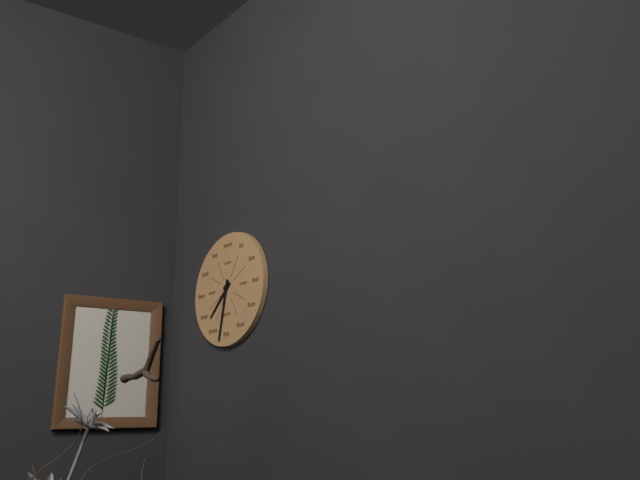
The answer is 7:32
